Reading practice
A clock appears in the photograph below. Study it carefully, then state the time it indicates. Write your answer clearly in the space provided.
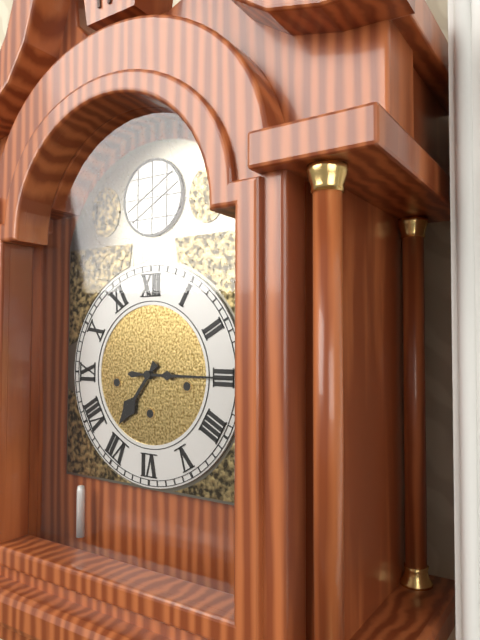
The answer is 7:15
